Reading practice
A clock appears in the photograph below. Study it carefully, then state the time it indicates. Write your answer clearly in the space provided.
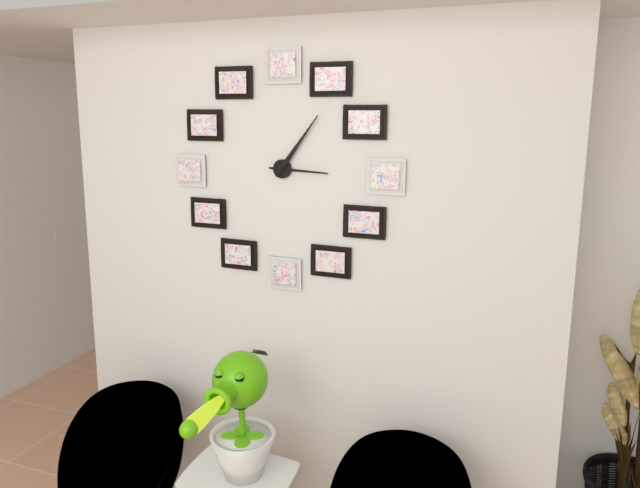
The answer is 3:06
